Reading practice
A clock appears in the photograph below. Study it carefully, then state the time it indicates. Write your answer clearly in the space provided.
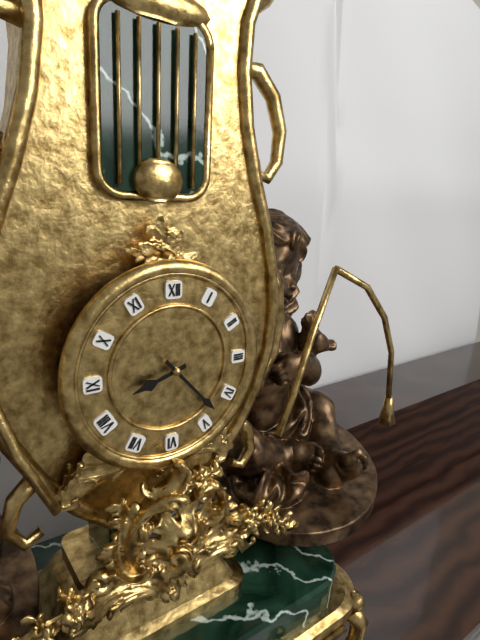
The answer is 8:23
